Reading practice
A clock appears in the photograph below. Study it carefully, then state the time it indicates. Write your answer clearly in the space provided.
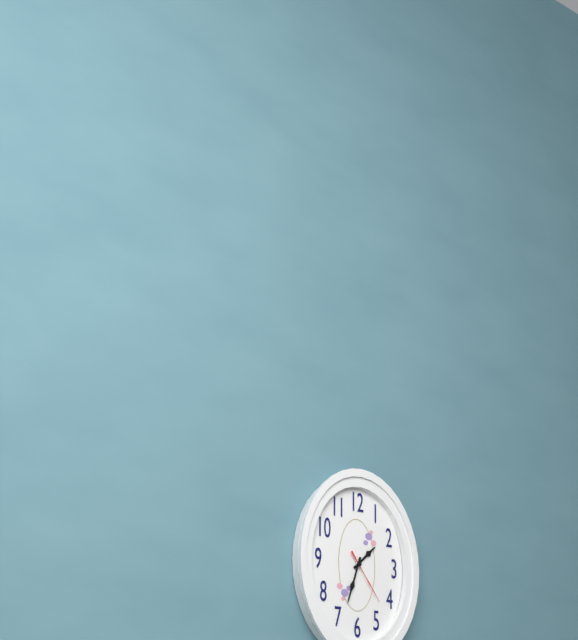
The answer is 1:33:24
